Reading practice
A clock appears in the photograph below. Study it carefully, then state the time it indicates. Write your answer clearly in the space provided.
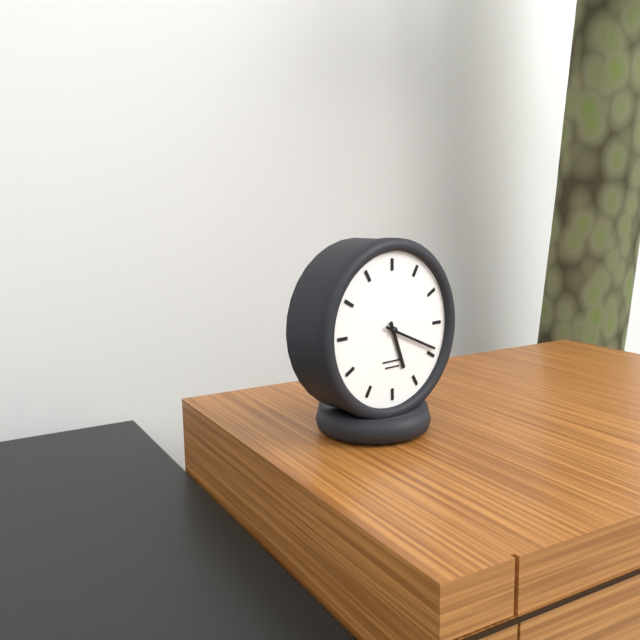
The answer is 5:19
